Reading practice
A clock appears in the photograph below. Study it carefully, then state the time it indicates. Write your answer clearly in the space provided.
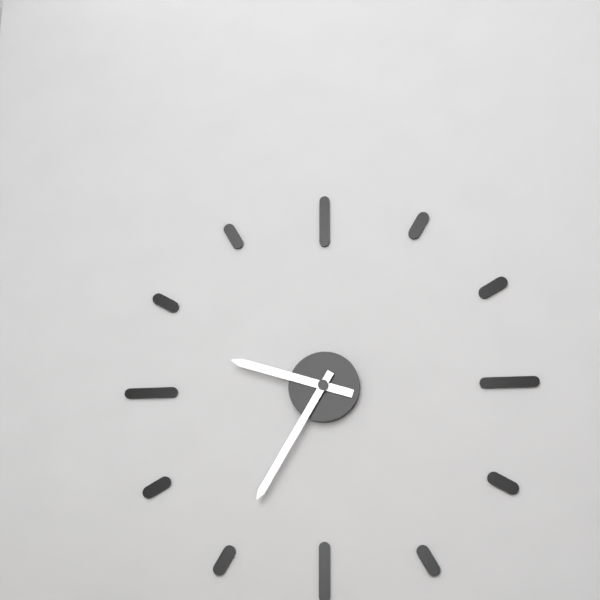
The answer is 9:35
